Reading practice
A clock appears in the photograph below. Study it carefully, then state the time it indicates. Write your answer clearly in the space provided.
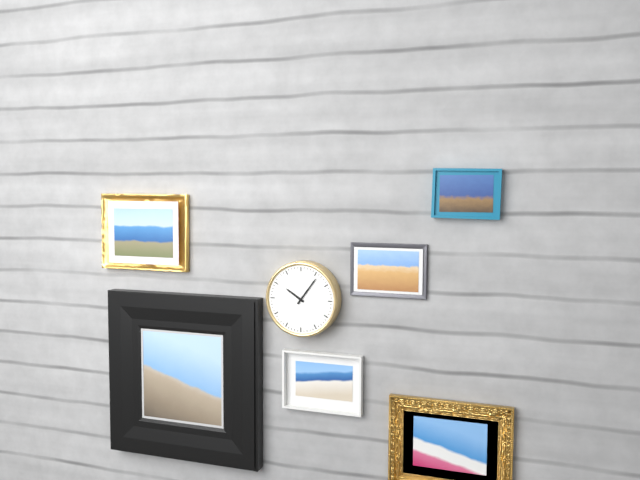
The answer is 10:06
